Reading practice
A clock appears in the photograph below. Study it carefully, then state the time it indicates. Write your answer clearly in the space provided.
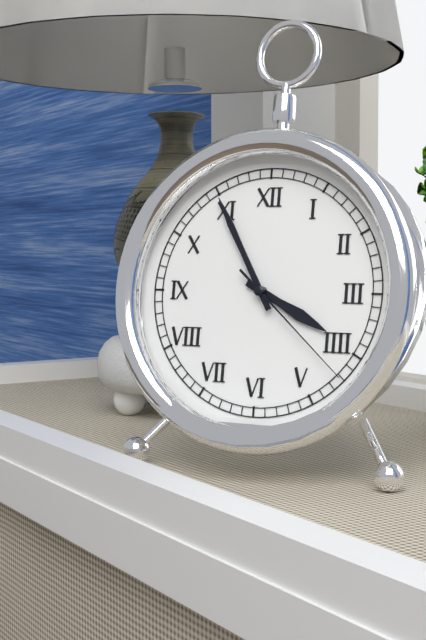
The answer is 3:55:22
